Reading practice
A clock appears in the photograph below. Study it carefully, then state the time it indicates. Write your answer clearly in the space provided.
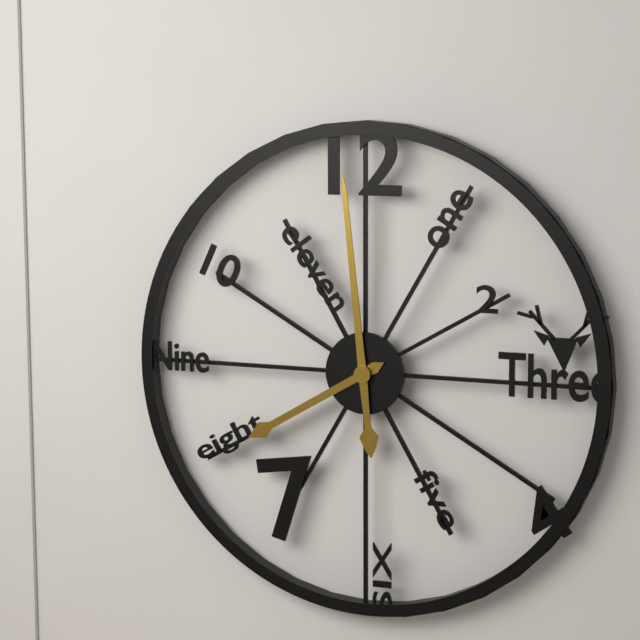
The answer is 7:59
